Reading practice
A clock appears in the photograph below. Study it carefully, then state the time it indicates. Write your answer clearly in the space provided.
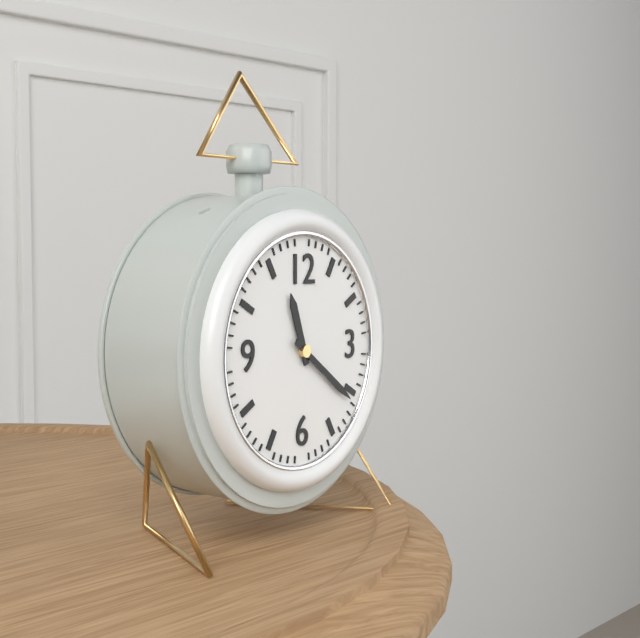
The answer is 11:21
